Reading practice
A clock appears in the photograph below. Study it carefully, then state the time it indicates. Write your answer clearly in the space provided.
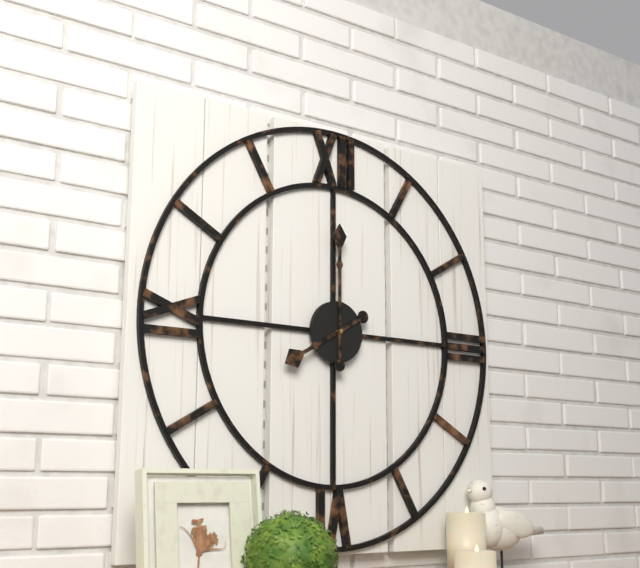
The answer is 8:00
